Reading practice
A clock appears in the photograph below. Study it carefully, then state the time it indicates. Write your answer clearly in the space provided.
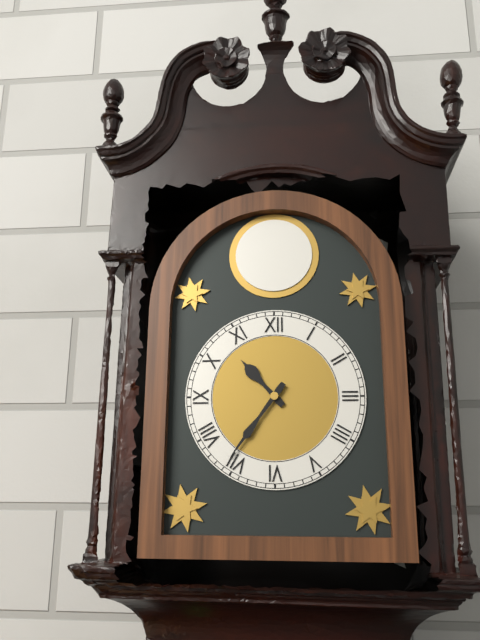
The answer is 10:36
